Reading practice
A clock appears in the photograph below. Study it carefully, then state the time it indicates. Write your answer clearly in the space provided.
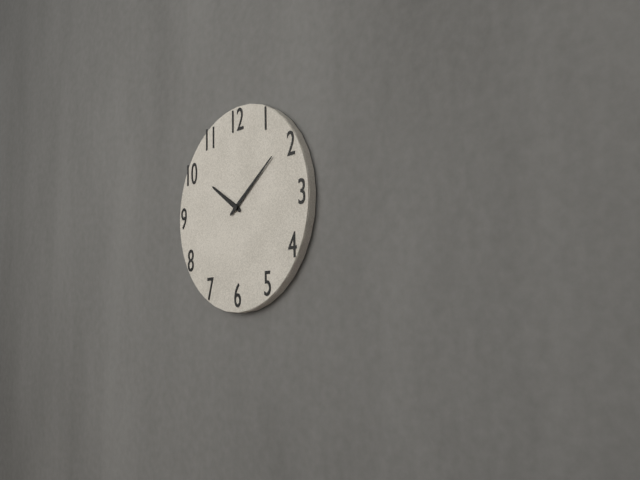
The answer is 10:09
